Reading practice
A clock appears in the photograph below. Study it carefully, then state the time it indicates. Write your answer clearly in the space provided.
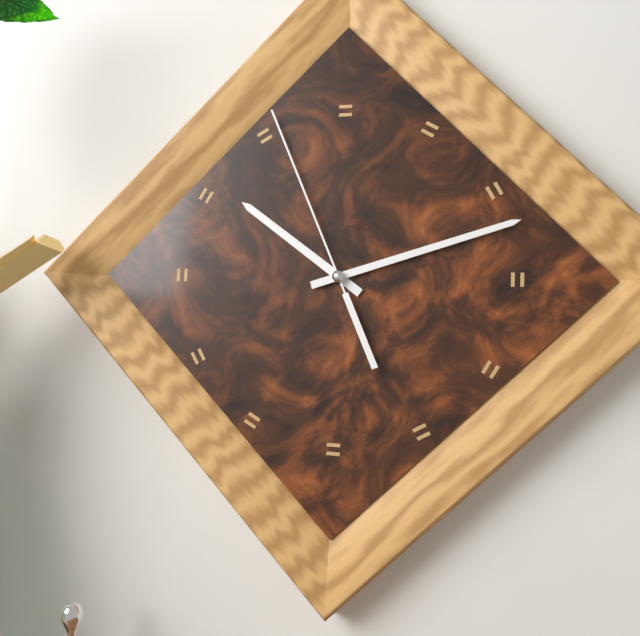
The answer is 10:12:56
